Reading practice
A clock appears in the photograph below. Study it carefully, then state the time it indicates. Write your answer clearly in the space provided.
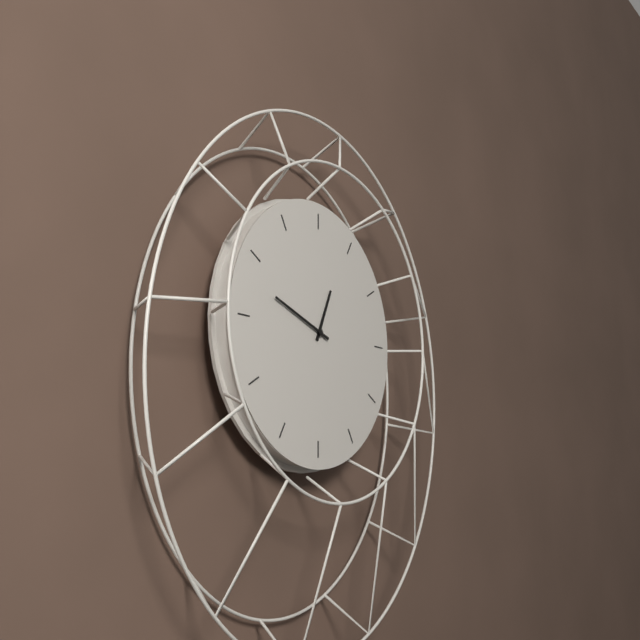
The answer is 12:48
